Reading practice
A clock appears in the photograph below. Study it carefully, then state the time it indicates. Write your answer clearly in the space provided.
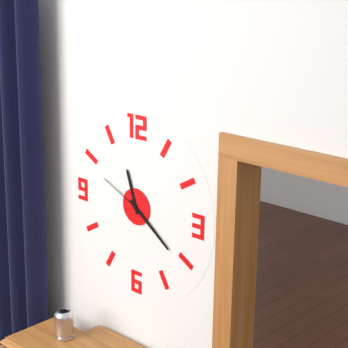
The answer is 11:21:49
